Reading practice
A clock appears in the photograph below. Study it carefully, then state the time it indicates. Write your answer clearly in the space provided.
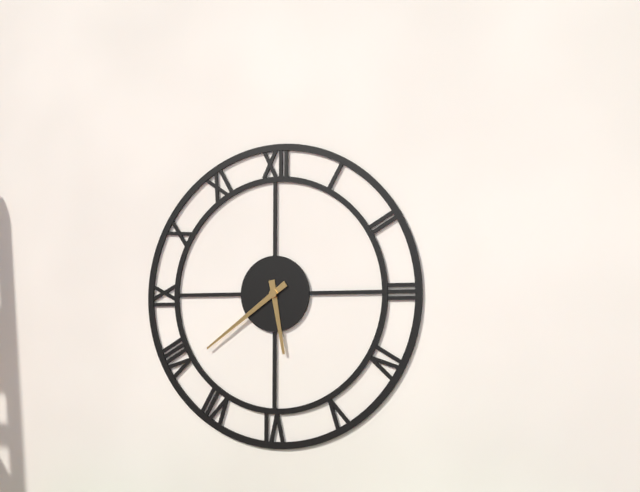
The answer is 5:39
